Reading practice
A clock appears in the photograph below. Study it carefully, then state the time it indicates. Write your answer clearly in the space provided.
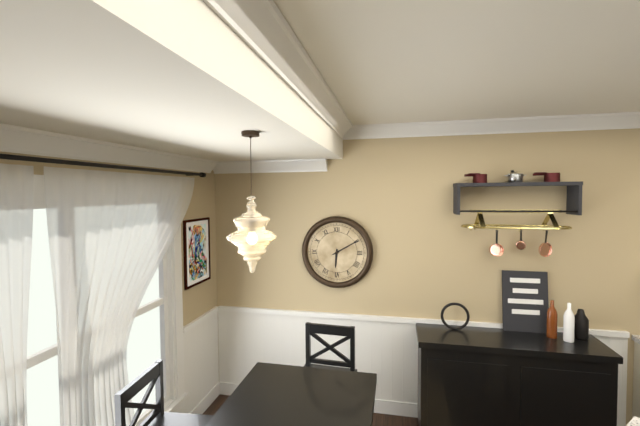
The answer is 6:10
